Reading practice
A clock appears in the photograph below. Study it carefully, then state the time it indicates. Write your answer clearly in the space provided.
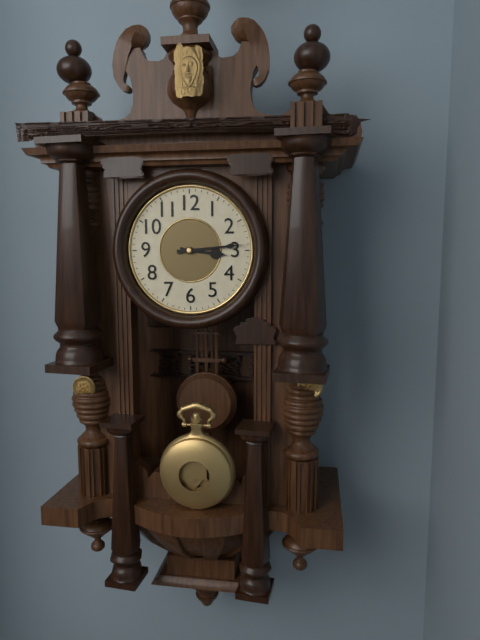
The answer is 3:14
